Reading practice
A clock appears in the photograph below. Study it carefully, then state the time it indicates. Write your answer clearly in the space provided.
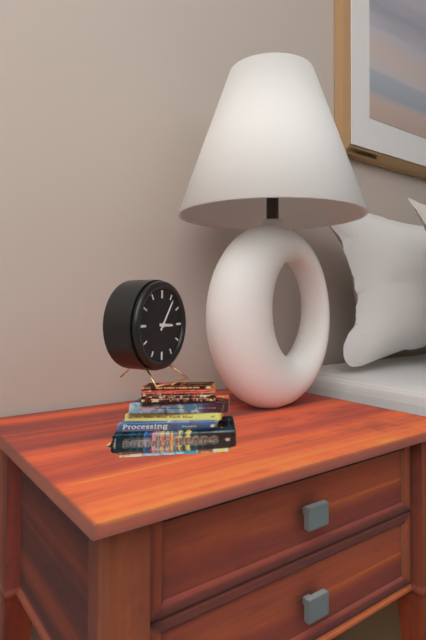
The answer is 3:06
